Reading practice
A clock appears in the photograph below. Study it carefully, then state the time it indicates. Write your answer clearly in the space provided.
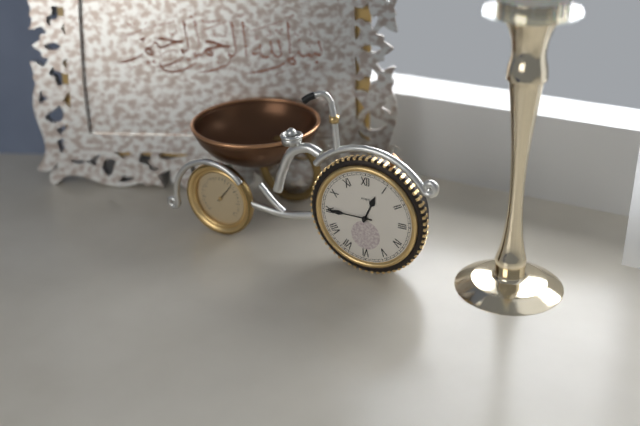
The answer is 12:45
